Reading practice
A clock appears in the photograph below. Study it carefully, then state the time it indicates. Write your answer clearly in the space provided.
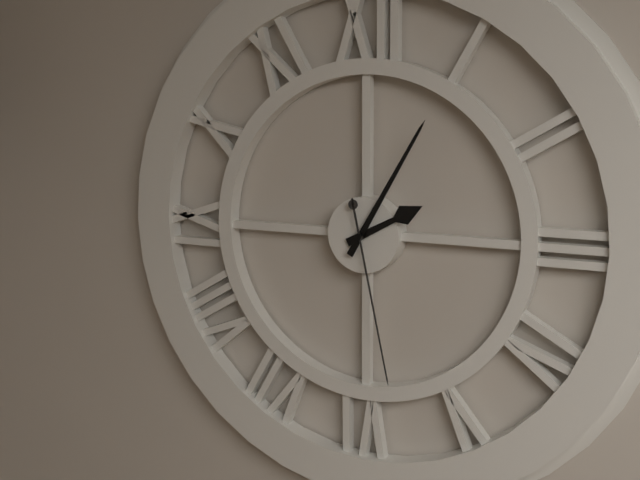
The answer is 2:05:28
